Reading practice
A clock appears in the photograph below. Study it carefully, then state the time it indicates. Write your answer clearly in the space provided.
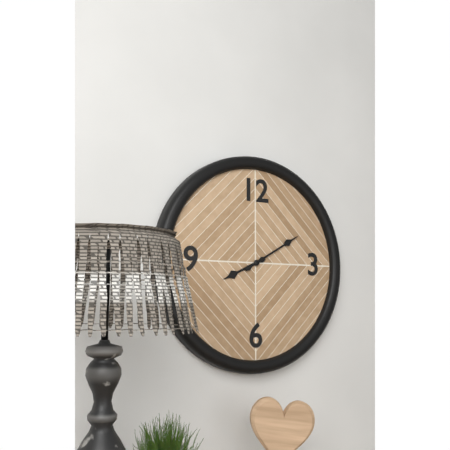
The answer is 8:10
